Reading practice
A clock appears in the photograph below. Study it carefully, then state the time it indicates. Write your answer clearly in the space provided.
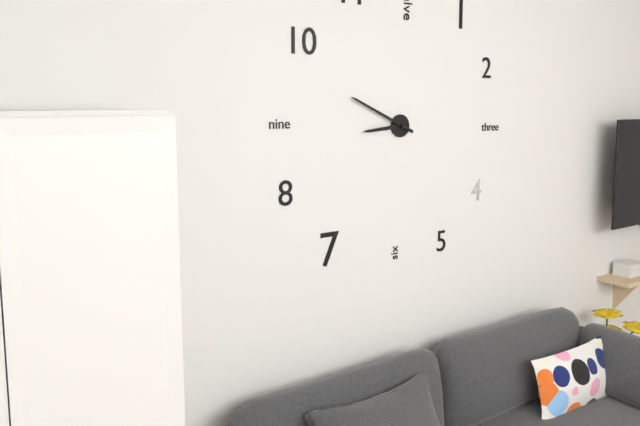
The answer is 8:49
